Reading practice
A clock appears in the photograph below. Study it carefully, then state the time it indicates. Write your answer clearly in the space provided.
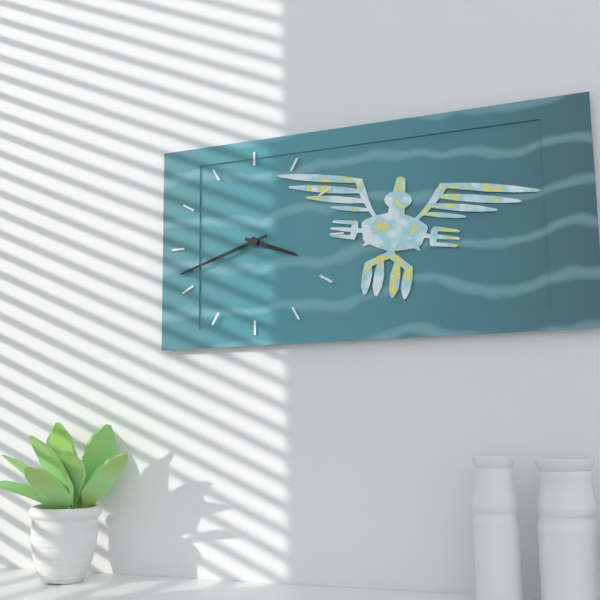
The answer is 3:42
